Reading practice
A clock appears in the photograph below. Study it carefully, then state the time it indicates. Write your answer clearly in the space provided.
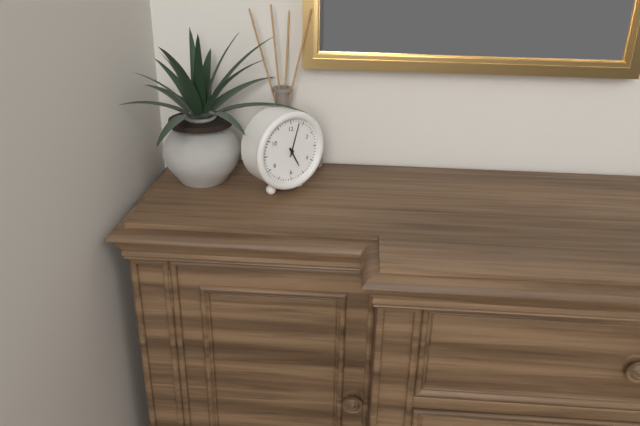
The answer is 5:03
